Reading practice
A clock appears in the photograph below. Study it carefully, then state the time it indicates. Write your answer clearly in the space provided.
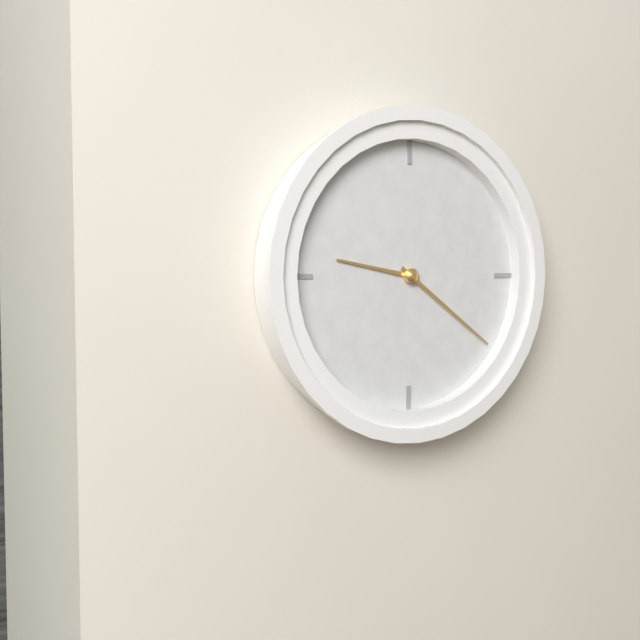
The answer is 9:21
